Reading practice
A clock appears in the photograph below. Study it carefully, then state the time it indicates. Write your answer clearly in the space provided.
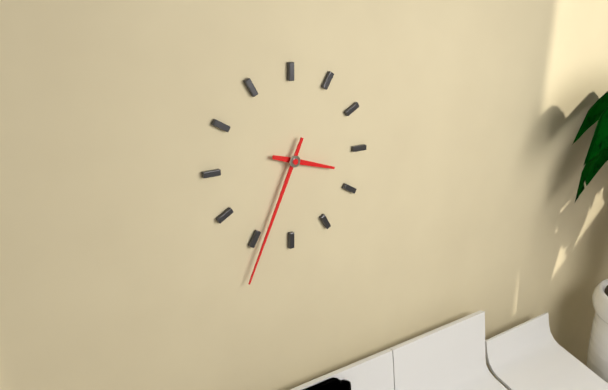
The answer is 3:34
